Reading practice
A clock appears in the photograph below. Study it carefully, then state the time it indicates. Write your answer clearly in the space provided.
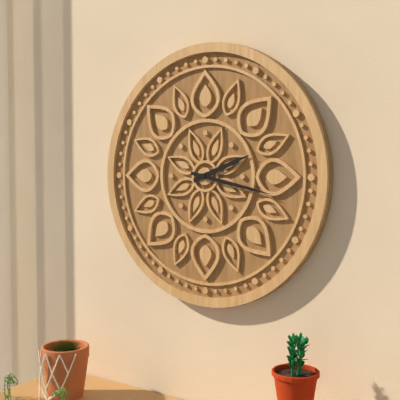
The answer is 2:17
